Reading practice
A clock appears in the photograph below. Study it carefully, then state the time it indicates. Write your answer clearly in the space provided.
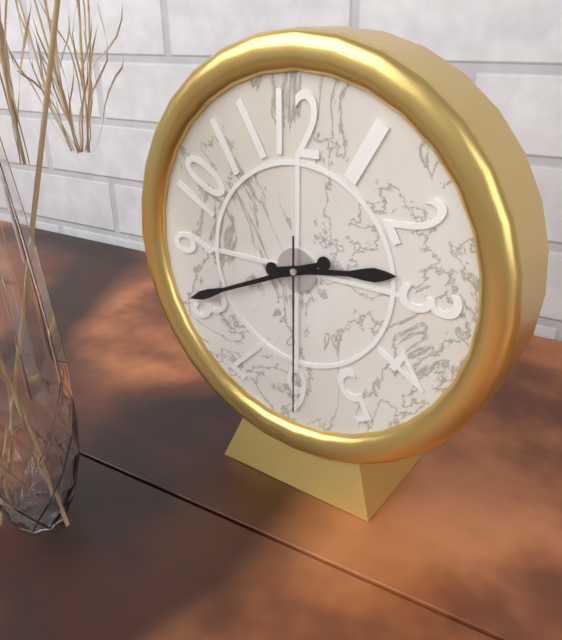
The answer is 2:41:30
